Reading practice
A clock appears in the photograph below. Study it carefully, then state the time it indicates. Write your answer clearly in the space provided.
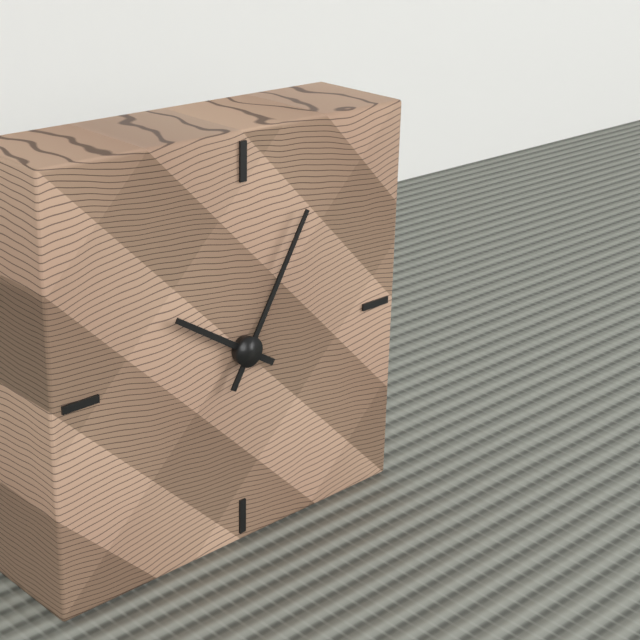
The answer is 10:05
